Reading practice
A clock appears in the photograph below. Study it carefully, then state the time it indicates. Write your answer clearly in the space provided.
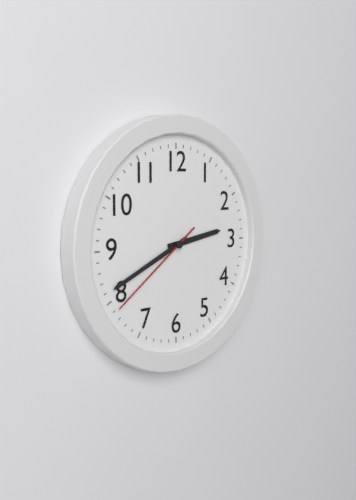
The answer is 2:41:39
